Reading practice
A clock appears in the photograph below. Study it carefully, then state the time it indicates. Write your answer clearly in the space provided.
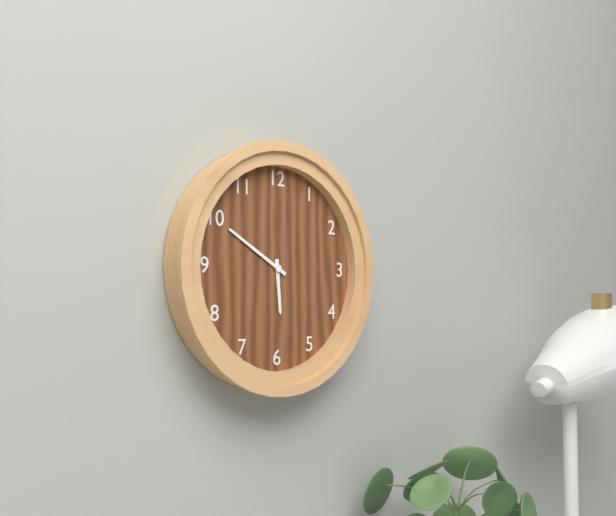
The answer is 5:50
